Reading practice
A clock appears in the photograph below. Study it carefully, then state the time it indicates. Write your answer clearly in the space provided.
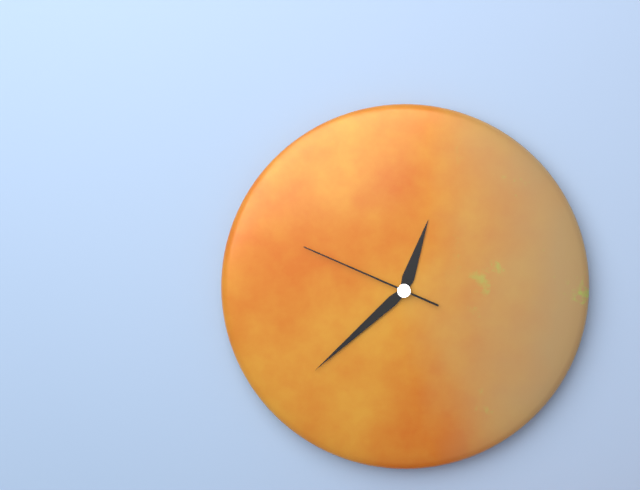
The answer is 12:38:49
